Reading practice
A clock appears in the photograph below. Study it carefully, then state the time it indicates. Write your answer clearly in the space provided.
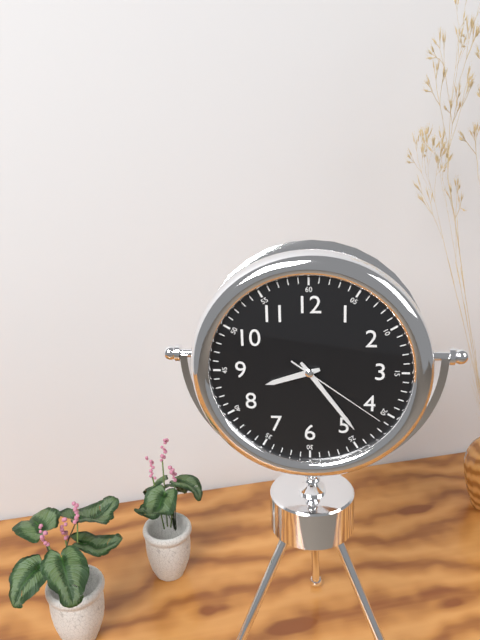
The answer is 8:24:21
